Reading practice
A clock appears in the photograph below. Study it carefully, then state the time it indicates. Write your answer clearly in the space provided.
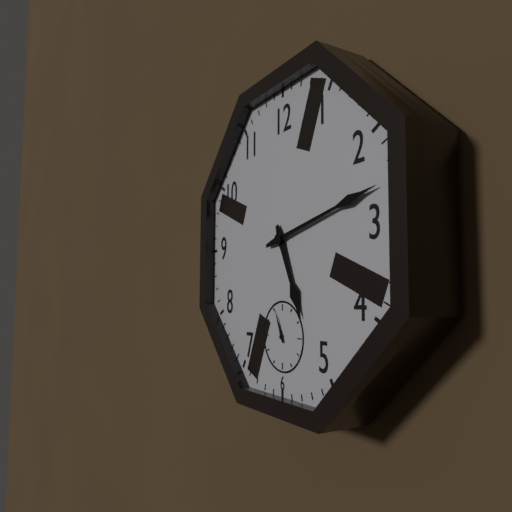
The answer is 5:13
